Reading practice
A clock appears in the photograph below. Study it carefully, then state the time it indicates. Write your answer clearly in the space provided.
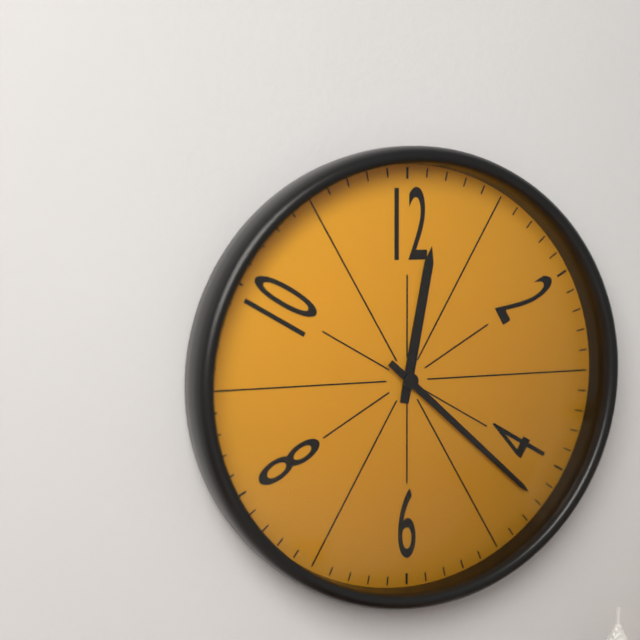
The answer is 12:22
